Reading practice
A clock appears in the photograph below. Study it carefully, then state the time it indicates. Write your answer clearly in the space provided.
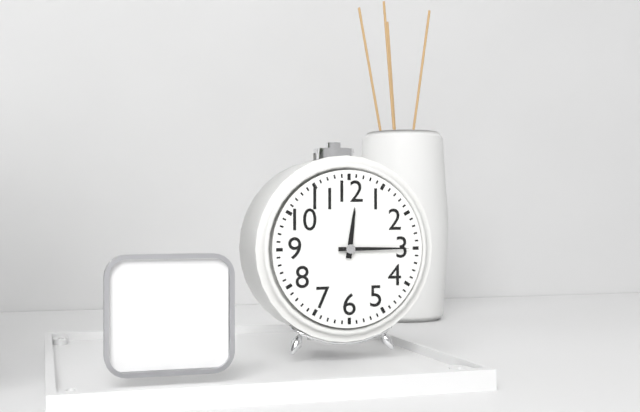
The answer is 12:15
